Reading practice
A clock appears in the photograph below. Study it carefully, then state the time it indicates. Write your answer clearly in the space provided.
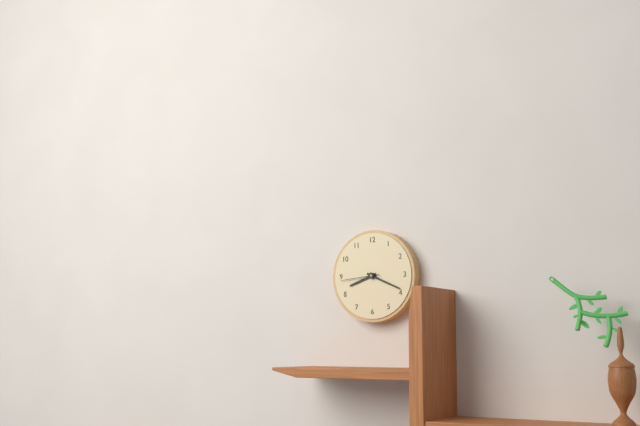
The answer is 8:19
